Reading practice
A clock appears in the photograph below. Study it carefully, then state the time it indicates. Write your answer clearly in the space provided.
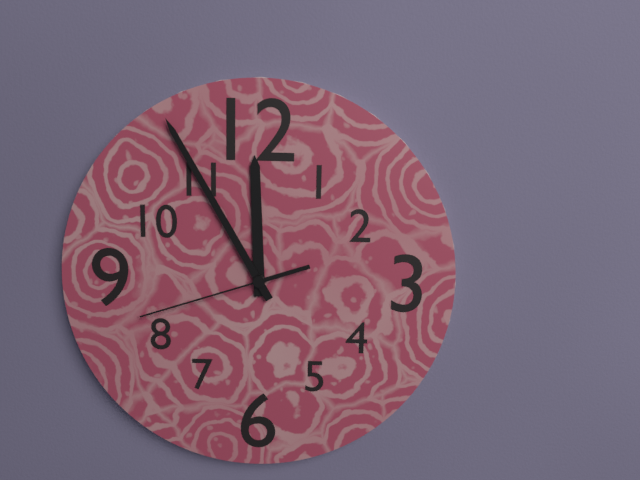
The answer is 11:55:42
